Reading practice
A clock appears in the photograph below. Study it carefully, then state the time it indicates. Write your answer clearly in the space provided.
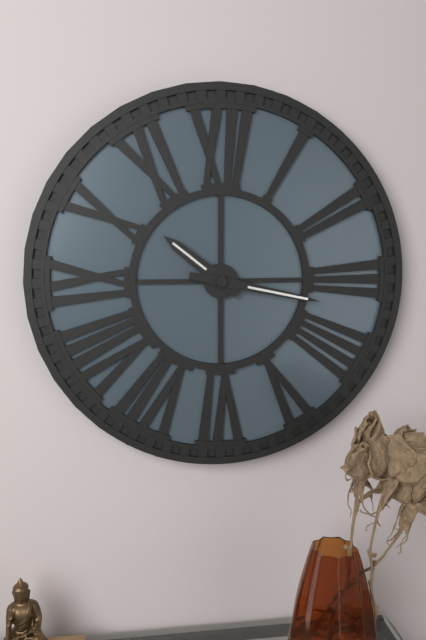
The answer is 10:17
